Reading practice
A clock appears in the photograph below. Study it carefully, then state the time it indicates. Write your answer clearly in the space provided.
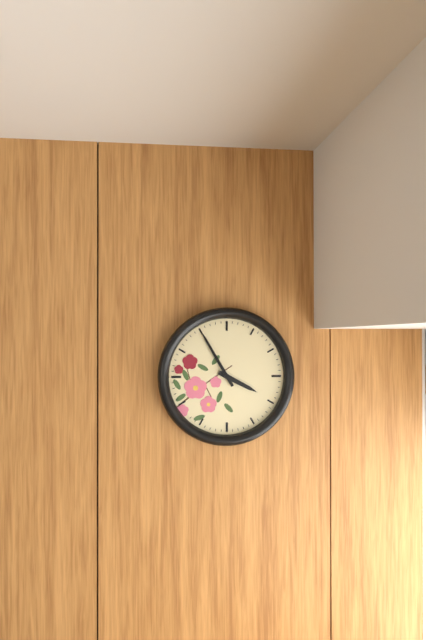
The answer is 3:55
